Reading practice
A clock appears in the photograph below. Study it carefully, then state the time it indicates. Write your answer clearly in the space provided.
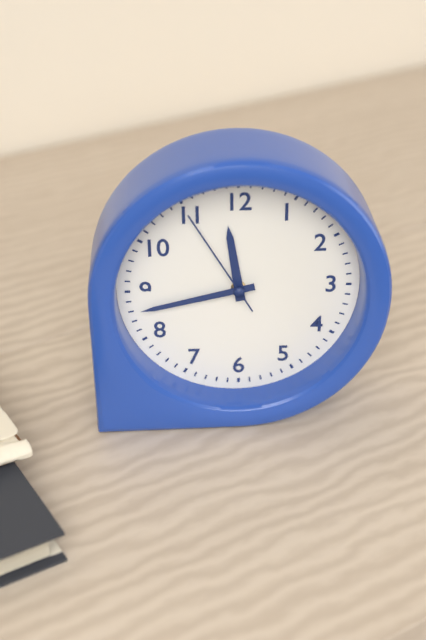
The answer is 11:43:55
